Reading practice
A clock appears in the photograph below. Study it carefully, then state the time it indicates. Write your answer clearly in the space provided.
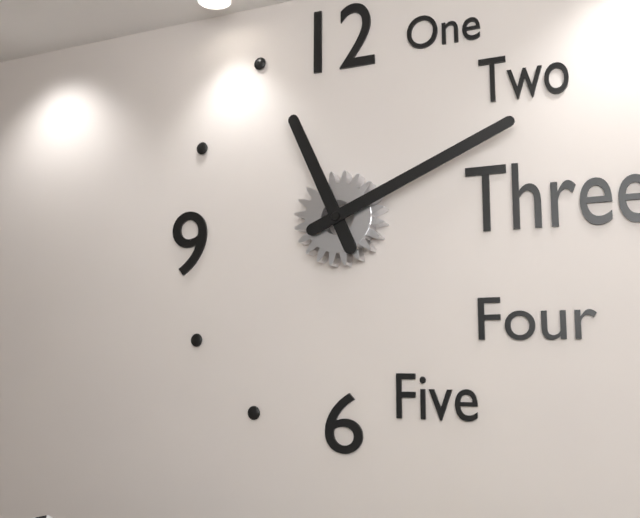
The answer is 11:11
